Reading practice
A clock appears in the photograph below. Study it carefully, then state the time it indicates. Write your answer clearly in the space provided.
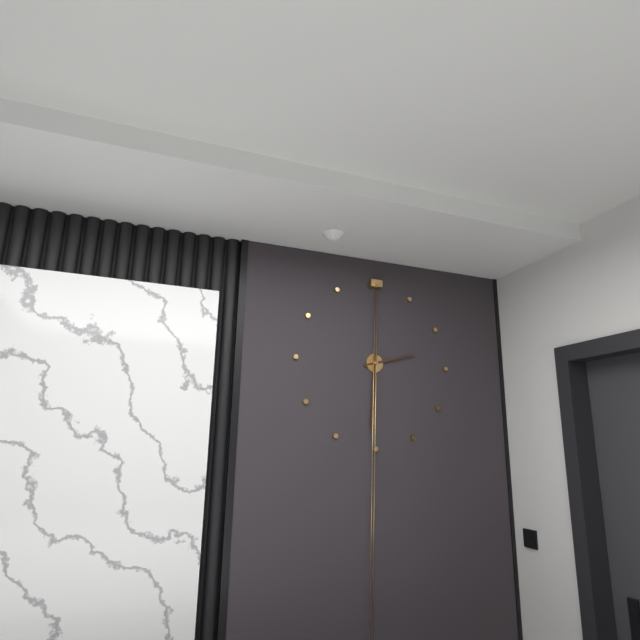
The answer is 2:31
